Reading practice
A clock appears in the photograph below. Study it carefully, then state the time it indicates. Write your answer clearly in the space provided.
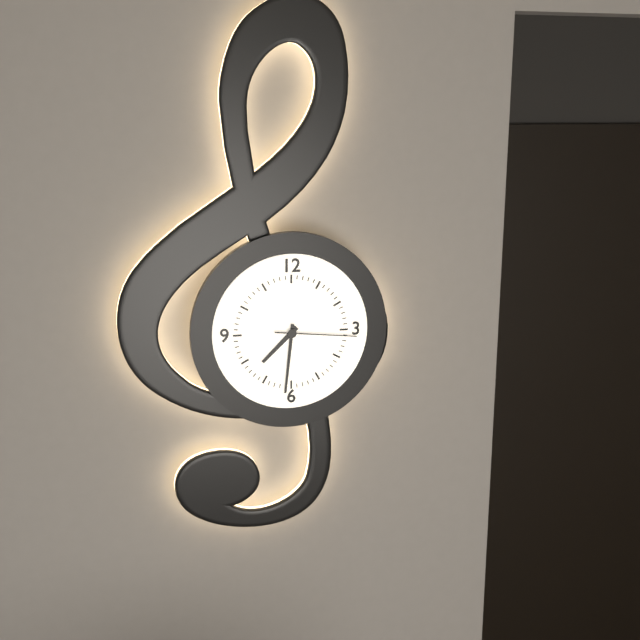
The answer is 7:31:16
